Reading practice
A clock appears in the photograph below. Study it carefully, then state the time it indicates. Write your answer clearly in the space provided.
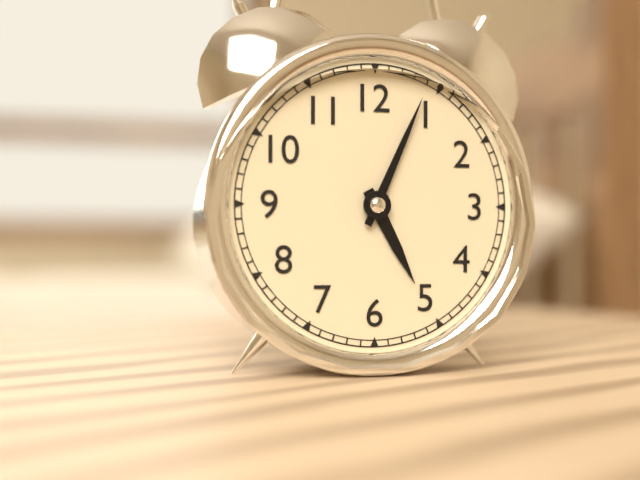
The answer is 5:04
